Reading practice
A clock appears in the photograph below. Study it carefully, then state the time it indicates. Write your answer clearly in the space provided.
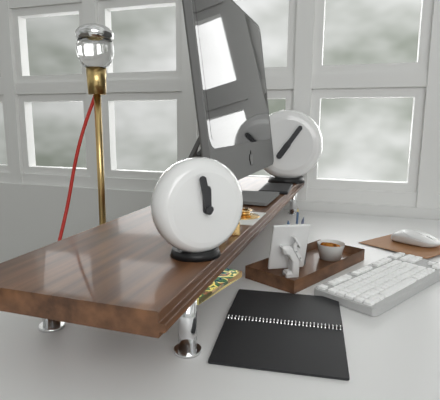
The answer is 11:58
